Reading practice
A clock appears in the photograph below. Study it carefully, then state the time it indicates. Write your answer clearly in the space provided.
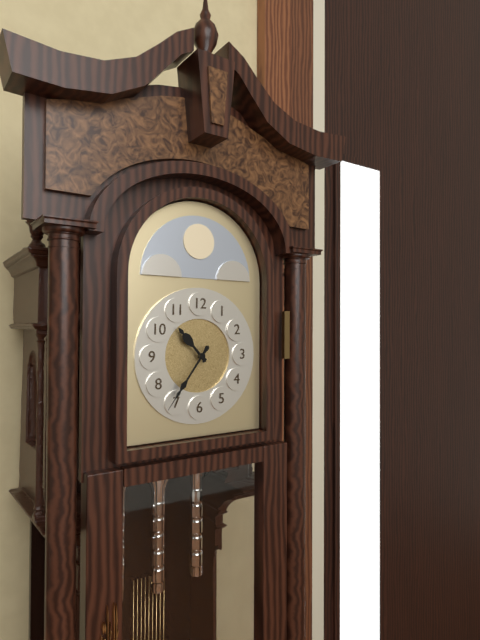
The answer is 10:36
